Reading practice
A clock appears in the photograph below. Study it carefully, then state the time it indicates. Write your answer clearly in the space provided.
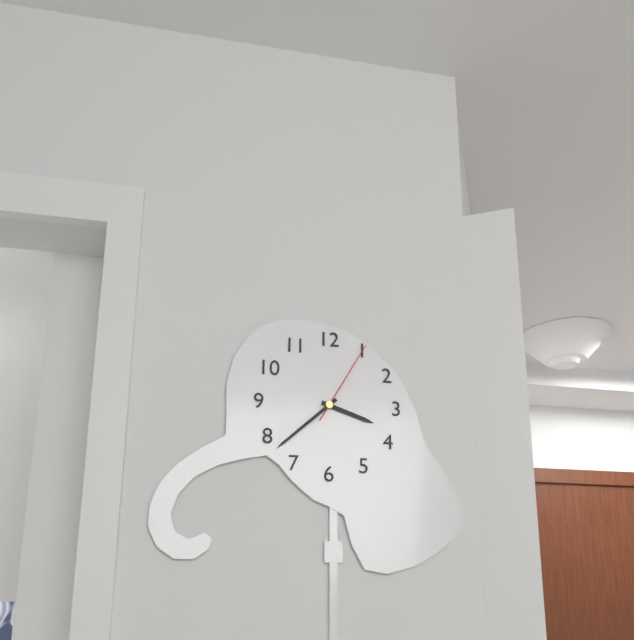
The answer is 3:38:05
